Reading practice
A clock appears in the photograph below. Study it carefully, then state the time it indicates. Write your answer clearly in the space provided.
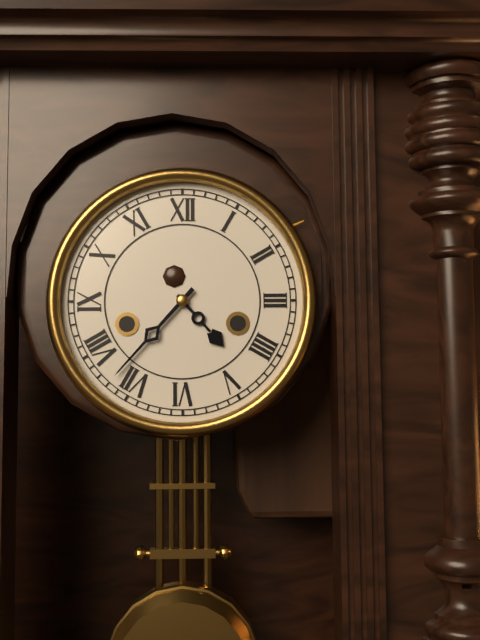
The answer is 4:37
